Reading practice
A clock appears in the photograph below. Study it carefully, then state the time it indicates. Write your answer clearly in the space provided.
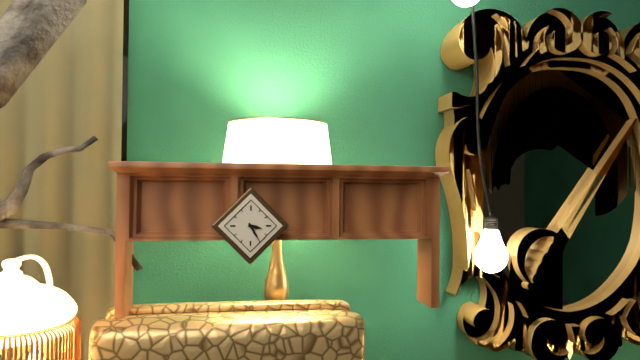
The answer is 3:25
